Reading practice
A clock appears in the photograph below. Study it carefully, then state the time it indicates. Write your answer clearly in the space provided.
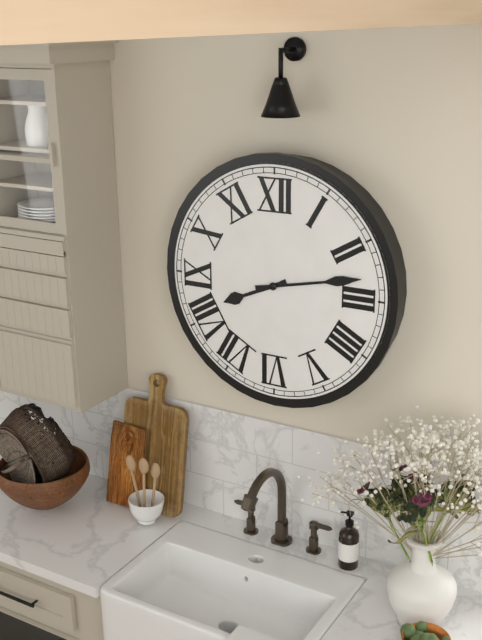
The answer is 8:13
